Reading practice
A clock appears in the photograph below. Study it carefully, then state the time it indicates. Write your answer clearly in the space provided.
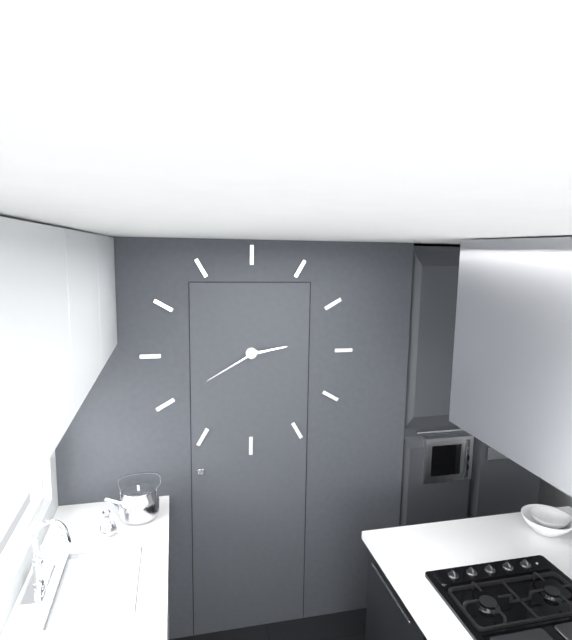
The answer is 2:40
